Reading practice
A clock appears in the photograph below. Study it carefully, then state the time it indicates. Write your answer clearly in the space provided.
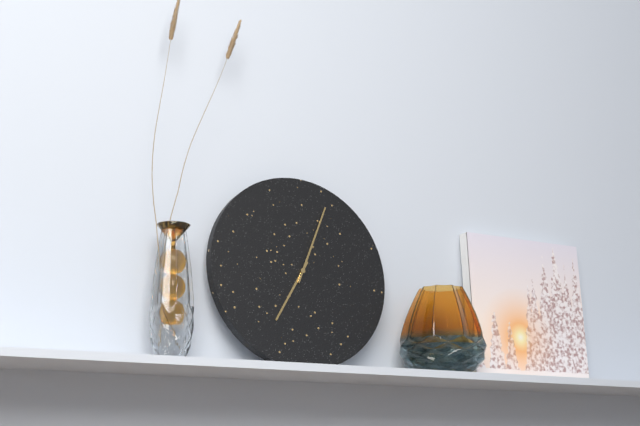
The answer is 7:04
